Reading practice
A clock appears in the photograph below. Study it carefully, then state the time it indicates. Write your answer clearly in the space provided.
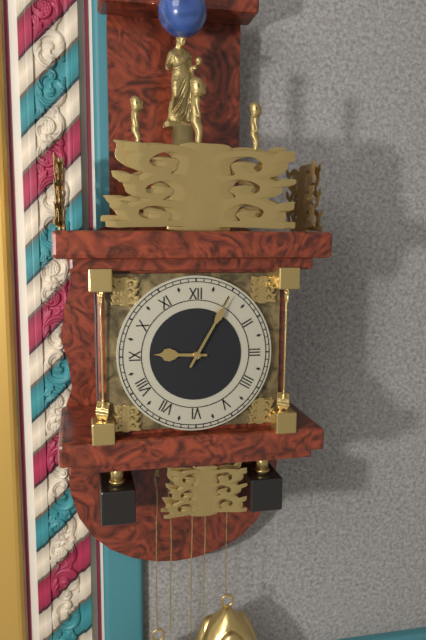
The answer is 9:05
